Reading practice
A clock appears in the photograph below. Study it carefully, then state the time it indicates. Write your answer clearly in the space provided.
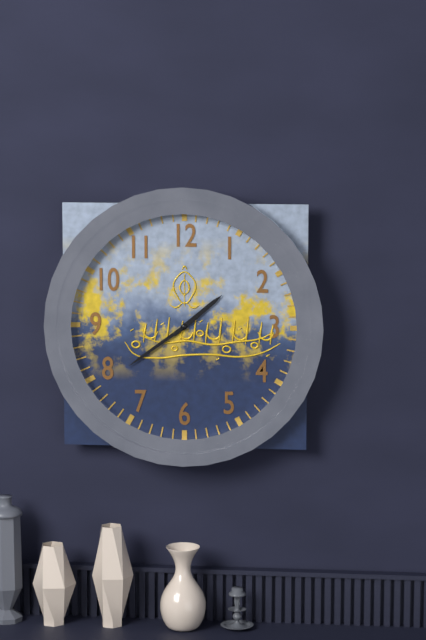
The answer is 1:39
